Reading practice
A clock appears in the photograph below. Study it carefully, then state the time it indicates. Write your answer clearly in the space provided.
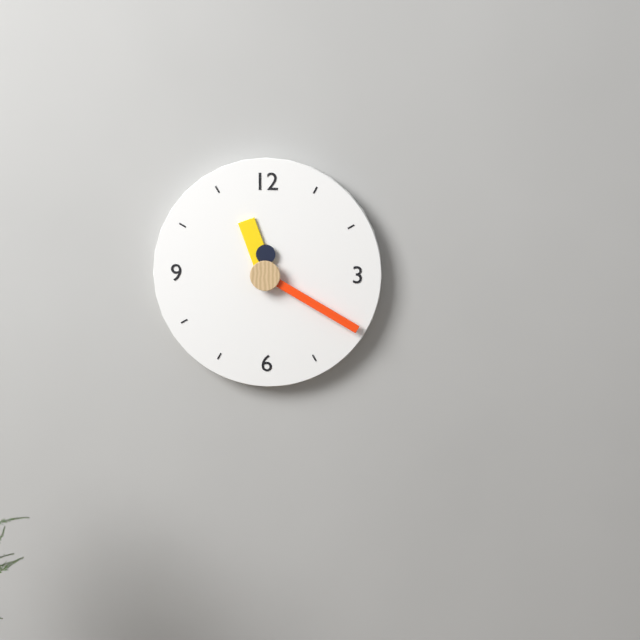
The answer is 11:20
